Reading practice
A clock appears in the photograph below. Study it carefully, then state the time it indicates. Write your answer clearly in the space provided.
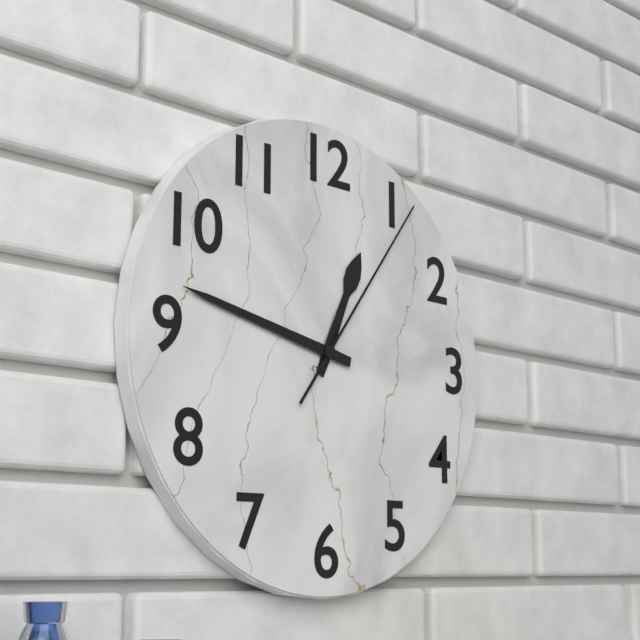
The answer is 12:47:06
